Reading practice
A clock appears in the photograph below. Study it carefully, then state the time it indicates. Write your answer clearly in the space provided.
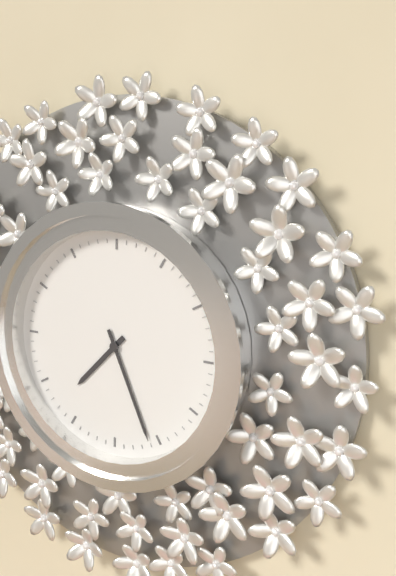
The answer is 7:26
